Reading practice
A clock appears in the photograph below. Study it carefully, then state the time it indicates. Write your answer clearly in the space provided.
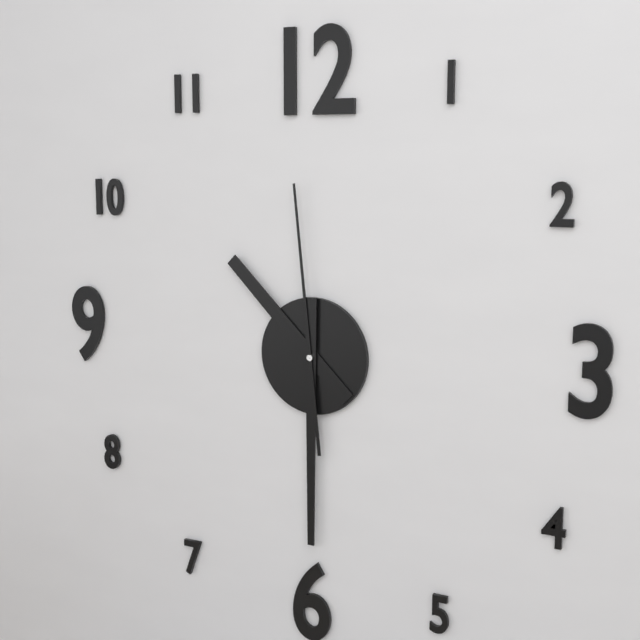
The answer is 10:30:59
